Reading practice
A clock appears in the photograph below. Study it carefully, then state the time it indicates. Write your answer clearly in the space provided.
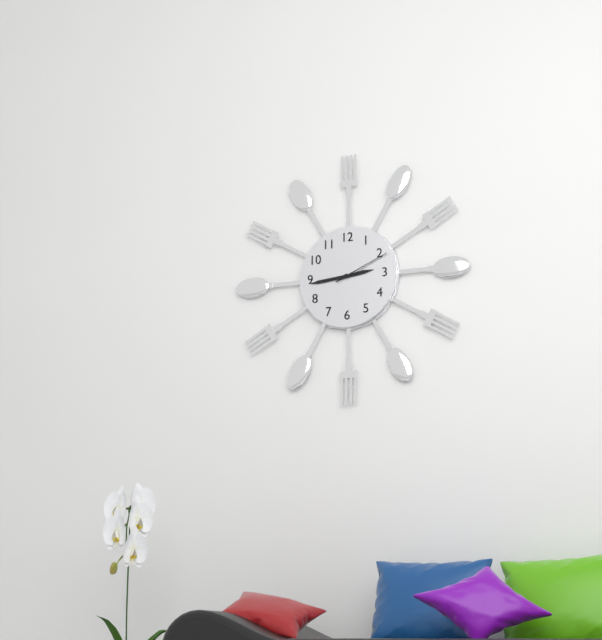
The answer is 2:44:11
